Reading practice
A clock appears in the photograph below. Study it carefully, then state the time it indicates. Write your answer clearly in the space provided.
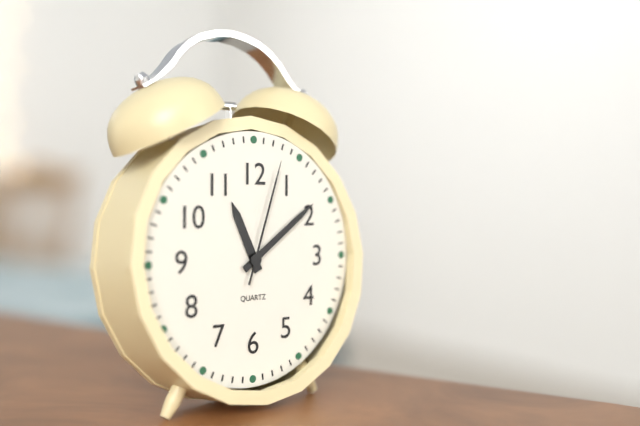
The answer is 11:09:03
